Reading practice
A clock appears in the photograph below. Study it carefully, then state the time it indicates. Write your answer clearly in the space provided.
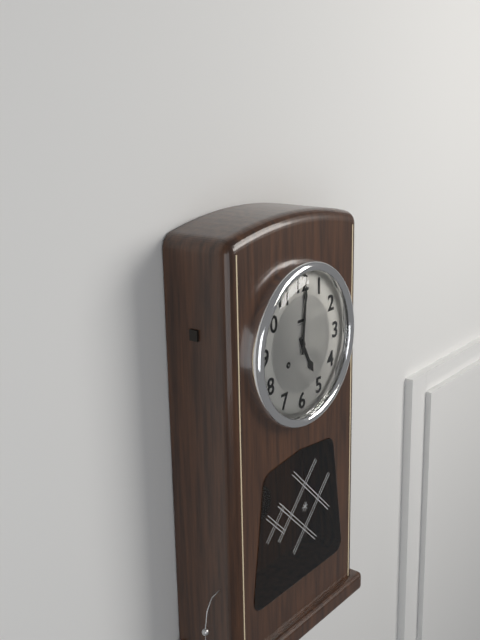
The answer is 5:01
